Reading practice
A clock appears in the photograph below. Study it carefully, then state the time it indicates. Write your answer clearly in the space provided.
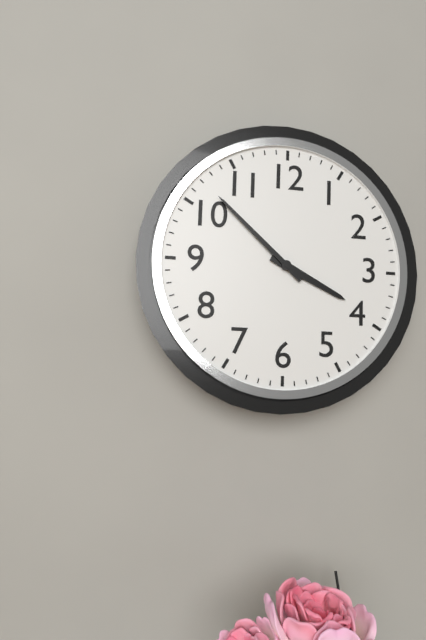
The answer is 3:52
